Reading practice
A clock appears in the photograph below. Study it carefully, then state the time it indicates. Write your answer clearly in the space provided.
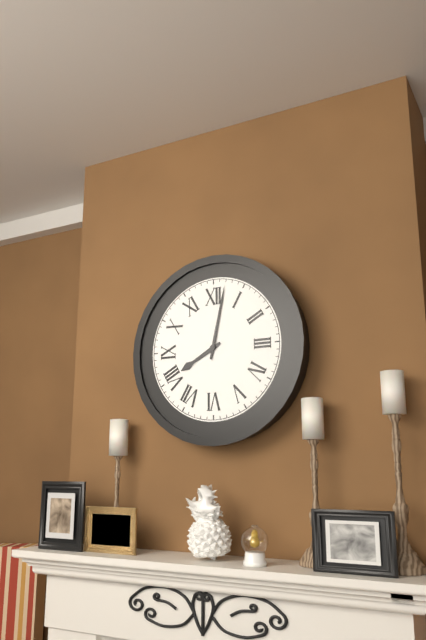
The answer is 8:02
